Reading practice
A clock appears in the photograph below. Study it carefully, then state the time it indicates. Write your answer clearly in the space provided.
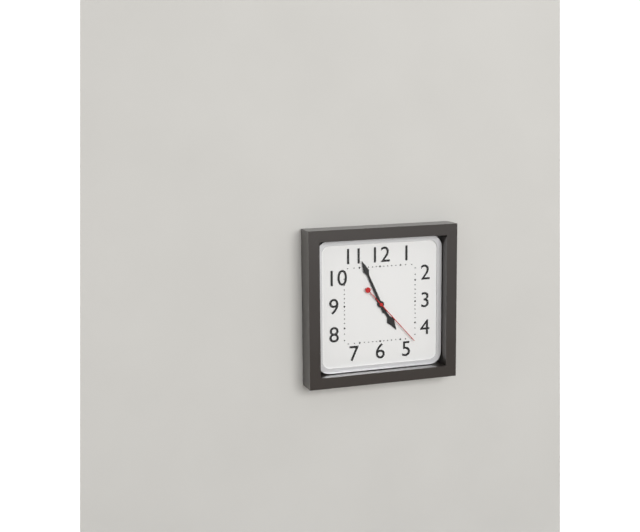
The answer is 4:56:23
